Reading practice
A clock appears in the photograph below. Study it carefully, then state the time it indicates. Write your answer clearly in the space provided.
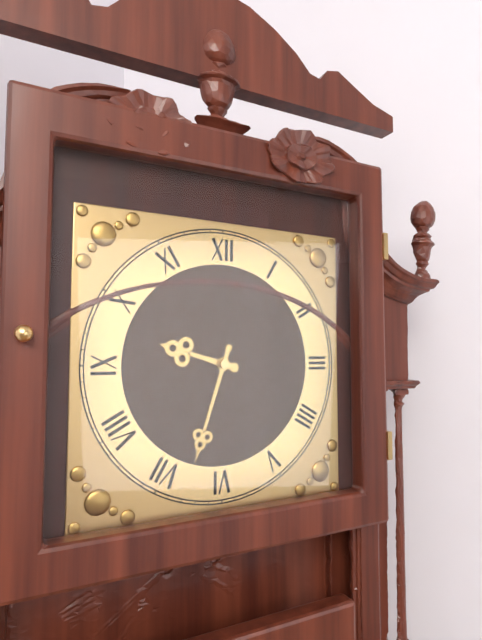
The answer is 9:33
